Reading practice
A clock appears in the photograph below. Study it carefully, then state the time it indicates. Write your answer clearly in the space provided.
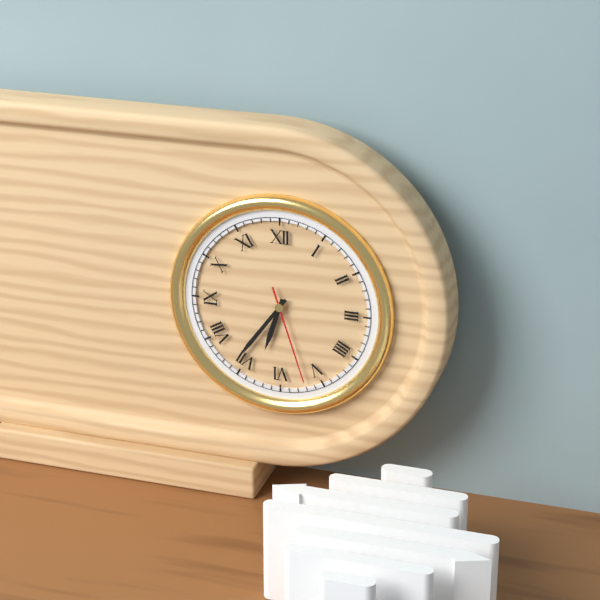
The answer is 6:36:27
